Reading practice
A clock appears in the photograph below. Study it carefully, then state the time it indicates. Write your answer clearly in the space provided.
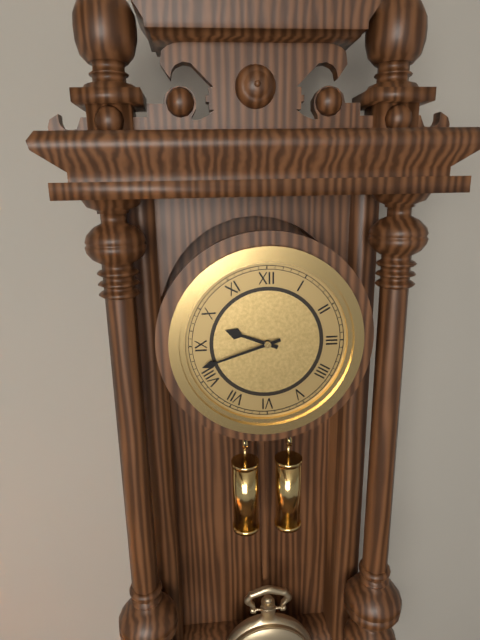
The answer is 9:42
